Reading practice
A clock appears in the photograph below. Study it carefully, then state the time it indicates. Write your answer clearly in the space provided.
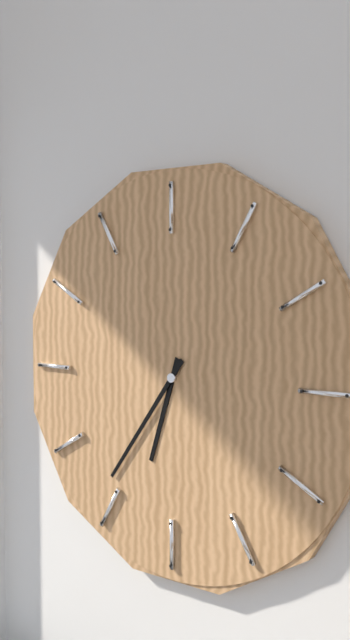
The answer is 6:36
